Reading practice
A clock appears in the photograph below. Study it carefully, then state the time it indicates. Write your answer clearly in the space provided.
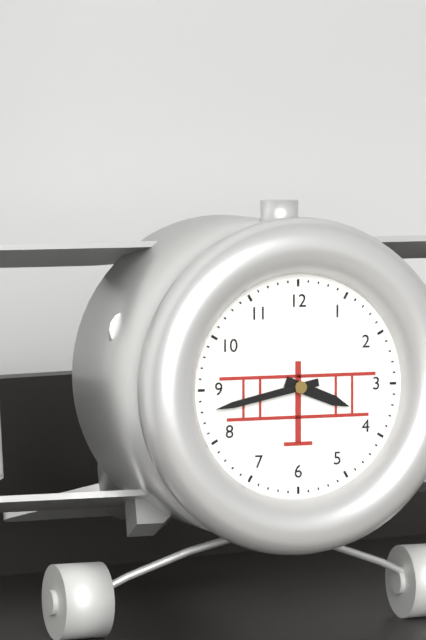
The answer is 3:43
